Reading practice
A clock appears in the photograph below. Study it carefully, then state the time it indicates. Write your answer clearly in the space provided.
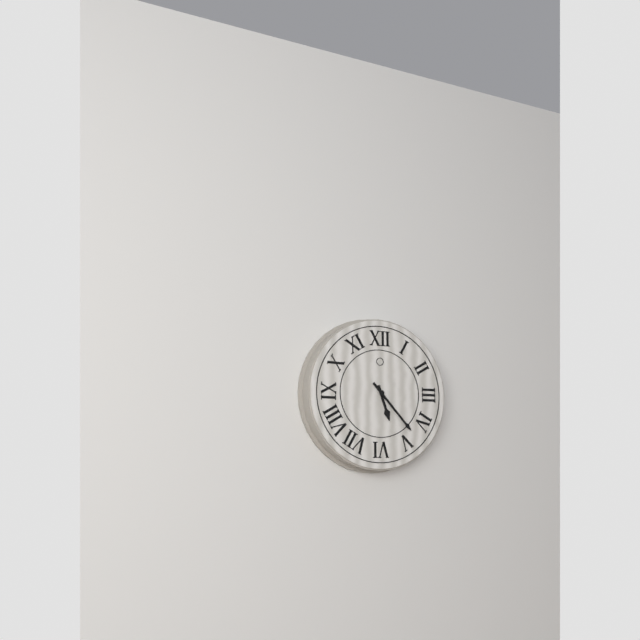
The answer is 5:23
